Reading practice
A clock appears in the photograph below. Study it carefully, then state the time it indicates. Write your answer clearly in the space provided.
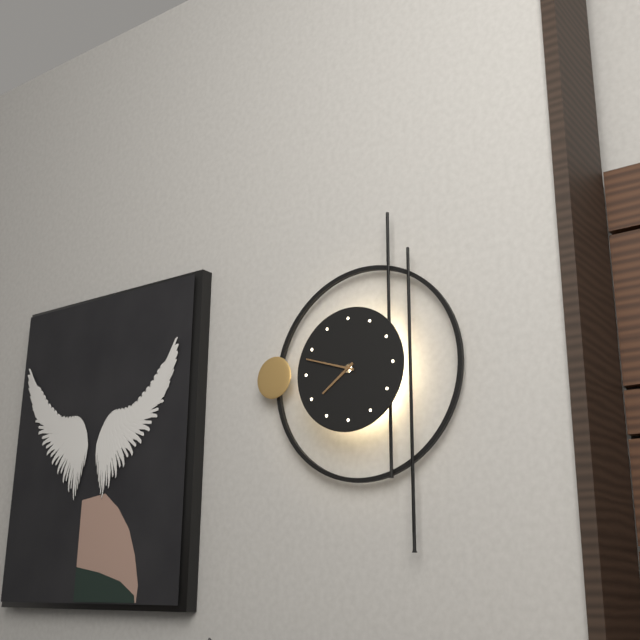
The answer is 7:48
